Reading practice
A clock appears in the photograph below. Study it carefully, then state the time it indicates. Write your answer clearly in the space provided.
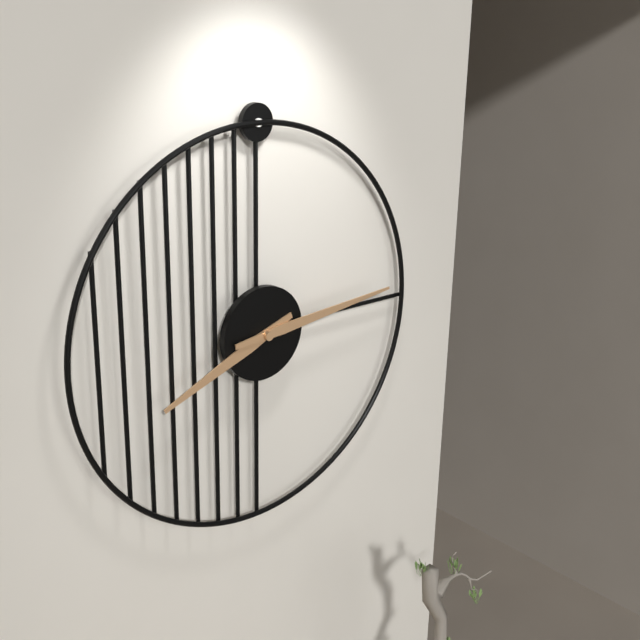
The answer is 8:14
